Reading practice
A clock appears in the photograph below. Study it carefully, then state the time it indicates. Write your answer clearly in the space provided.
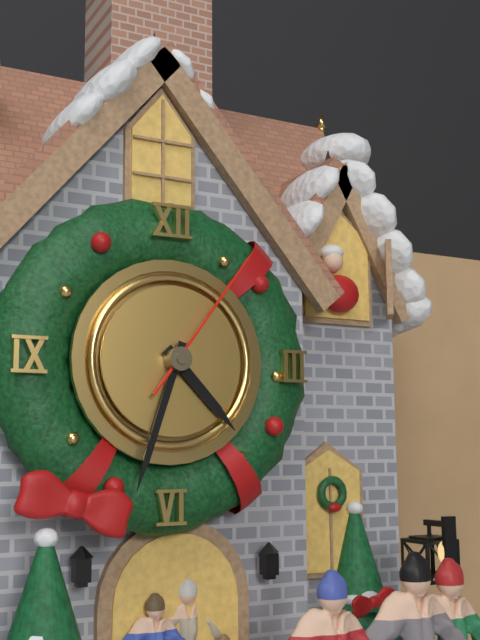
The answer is 4:33:06
